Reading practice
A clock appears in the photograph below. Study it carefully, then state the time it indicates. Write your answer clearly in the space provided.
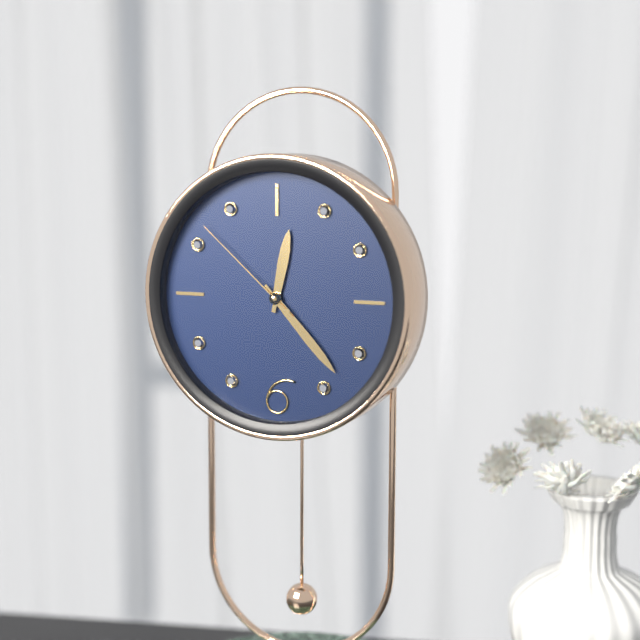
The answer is 12:23:52
